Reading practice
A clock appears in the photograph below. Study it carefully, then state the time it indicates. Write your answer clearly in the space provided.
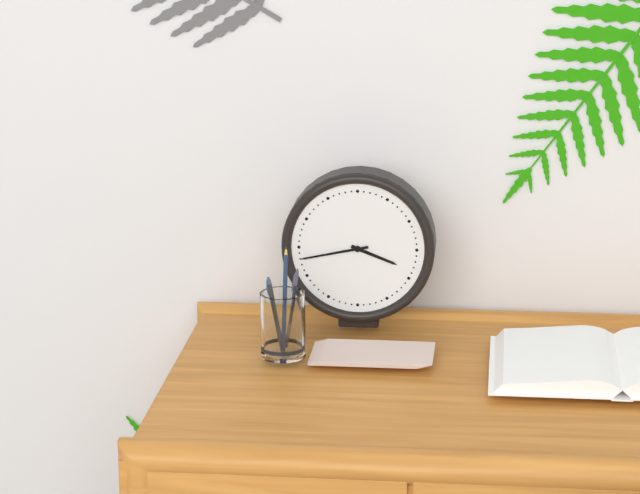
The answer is 3:43
